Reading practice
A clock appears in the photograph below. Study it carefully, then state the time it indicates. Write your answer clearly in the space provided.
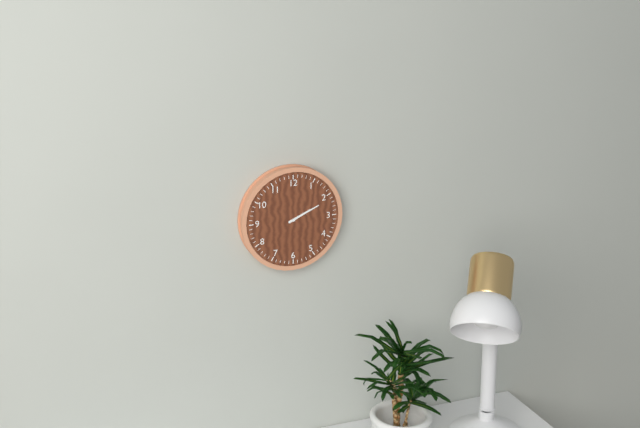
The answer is 2:11
